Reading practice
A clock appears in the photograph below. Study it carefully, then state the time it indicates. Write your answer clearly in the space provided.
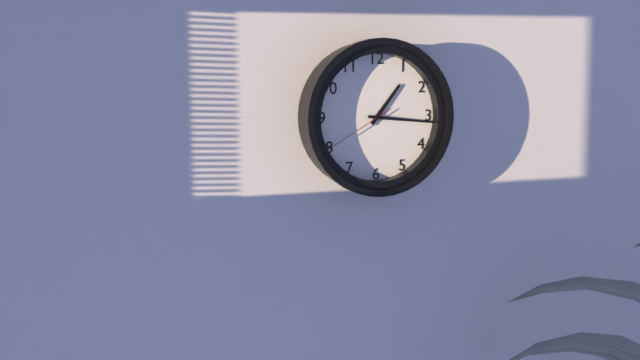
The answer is 1:16:40
